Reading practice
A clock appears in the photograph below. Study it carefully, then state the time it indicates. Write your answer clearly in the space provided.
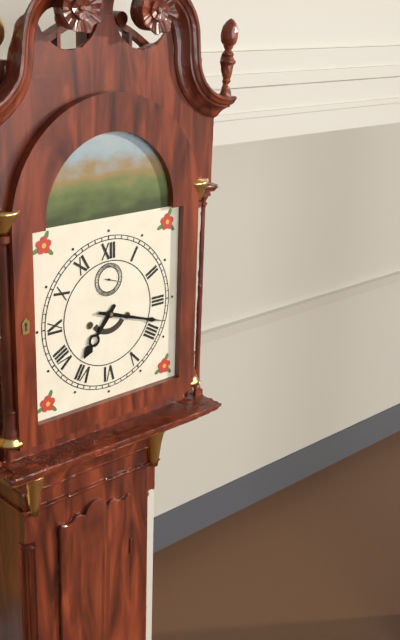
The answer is 7:18
